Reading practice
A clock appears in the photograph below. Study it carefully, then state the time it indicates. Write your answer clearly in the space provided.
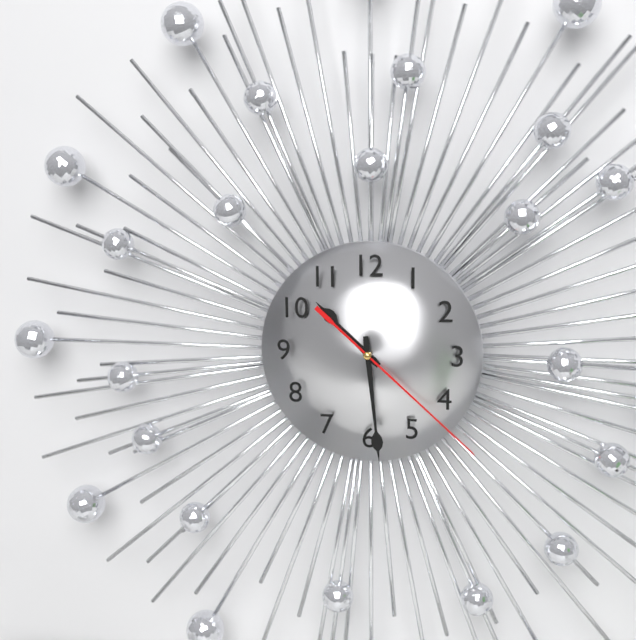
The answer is 10:29:22
